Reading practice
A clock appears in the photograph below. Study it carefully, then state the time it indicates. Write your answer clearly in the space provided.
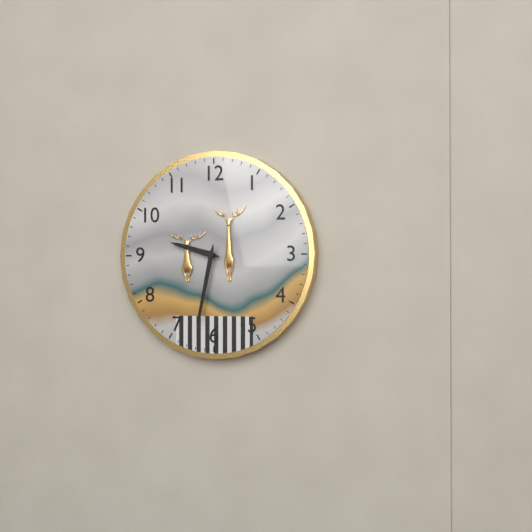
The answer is 9:32
